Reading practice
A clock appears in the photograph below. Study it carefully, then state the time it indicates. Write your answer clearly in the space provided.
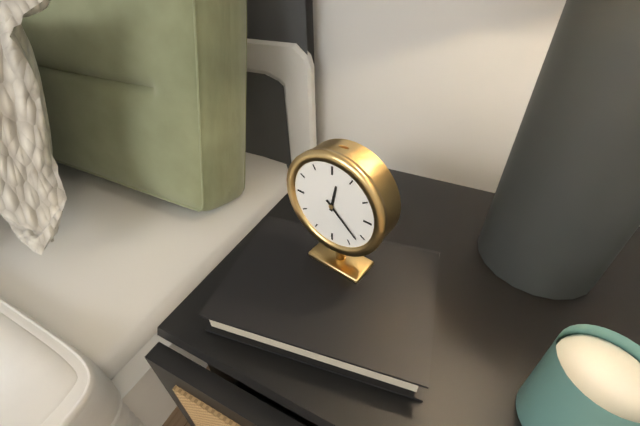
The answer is 12:22
